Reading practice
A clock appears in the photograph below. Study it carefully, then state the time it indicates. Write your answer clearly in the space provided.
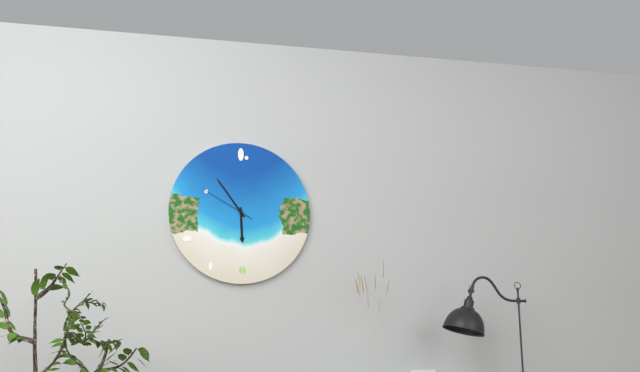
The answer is 5:54:50
